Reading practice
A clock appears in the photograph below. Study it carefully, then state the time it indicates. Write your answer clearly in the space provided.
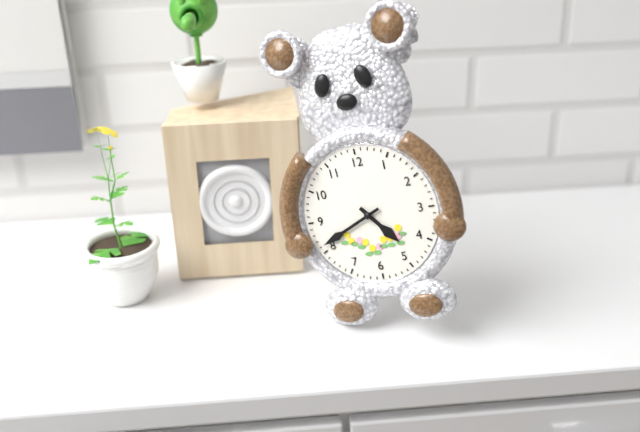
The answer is 4:41
